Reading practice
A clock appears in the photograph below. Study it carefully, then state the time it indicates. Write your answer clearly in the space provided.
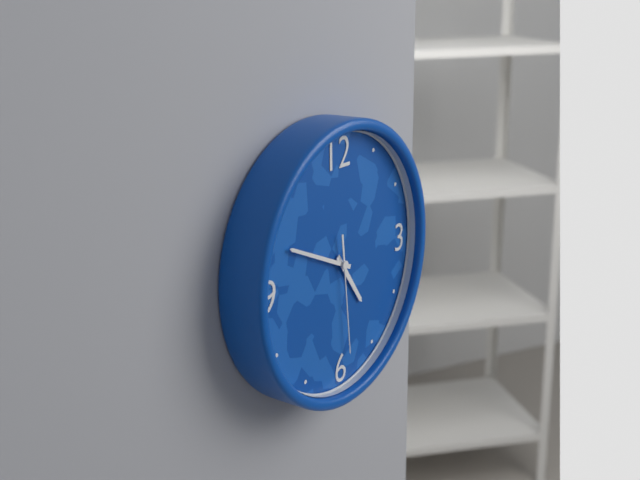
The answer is 4:49:29
